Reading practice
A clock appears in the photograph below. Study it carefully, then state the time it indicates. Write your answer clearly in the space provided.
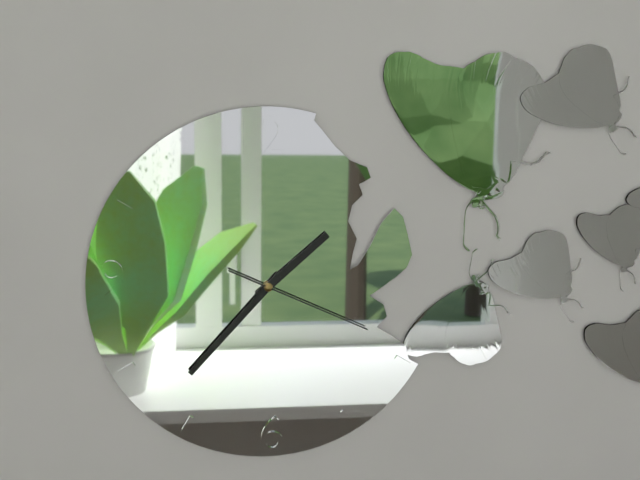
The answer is 1:37:19
